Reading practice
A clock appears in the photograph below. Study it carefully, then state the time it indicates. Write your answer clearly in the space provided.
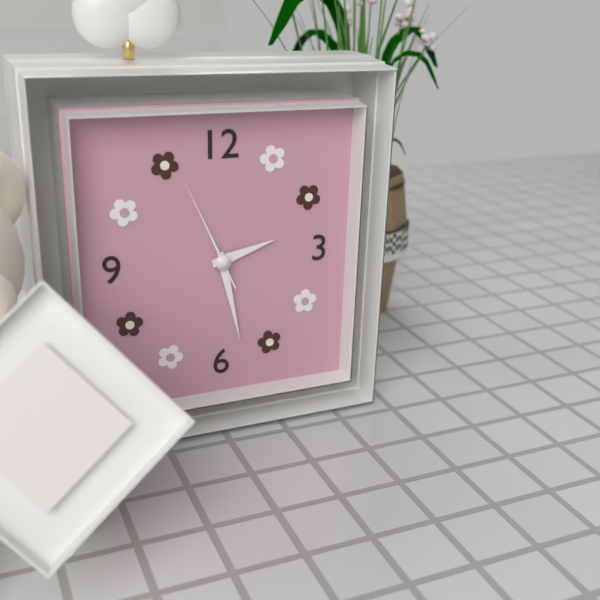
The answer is 2:28:56
